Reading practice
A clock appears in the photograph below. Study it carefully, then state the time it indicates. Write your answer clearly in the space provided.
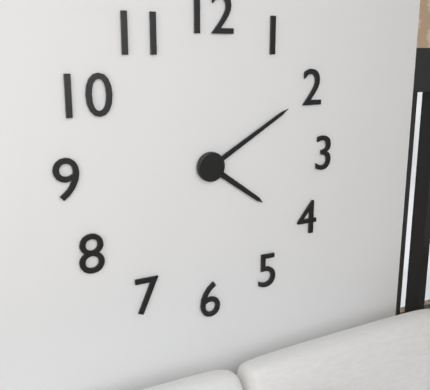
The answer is 4:10
